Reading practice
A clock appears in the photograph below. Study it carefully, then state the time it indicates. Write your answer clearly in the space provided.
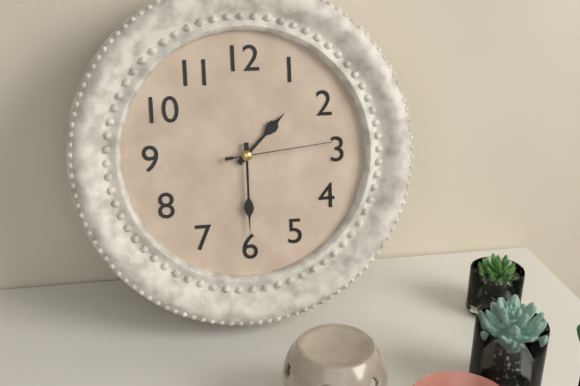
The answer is 1:30:14
